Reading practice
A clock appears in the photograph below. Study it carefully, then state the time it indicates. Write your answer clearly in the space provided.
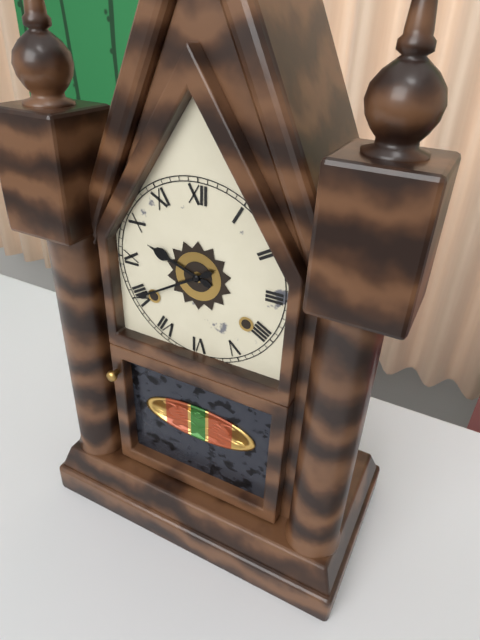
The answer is 9:40
